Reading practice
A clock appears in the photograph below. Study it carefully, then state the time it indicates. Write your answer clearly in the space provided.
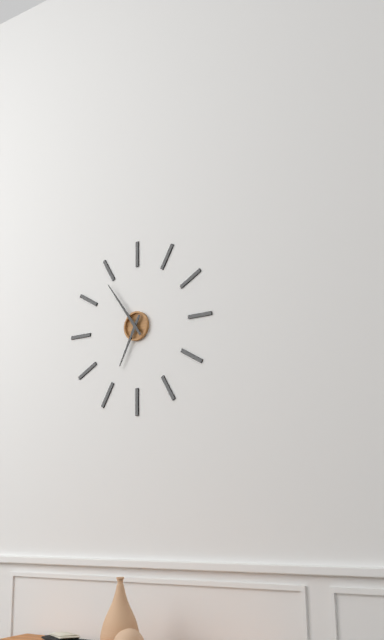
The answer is 6:54
